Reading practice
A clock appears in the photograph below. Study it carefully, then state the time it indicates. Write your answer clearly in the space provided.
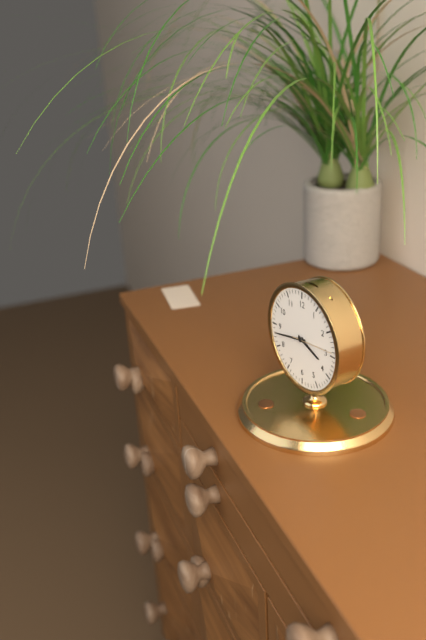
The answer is 3:43
